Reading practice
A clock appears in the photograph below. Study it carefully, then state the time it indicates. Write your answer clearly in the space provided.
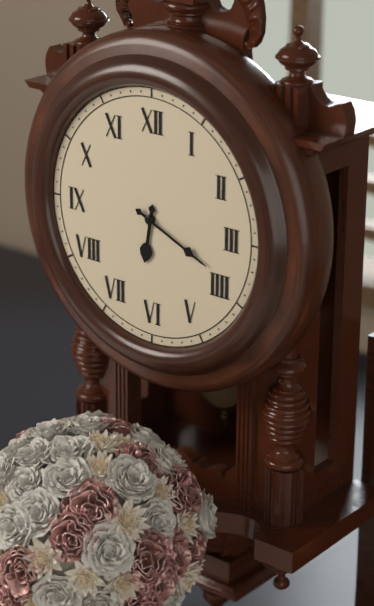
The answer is 6:19
